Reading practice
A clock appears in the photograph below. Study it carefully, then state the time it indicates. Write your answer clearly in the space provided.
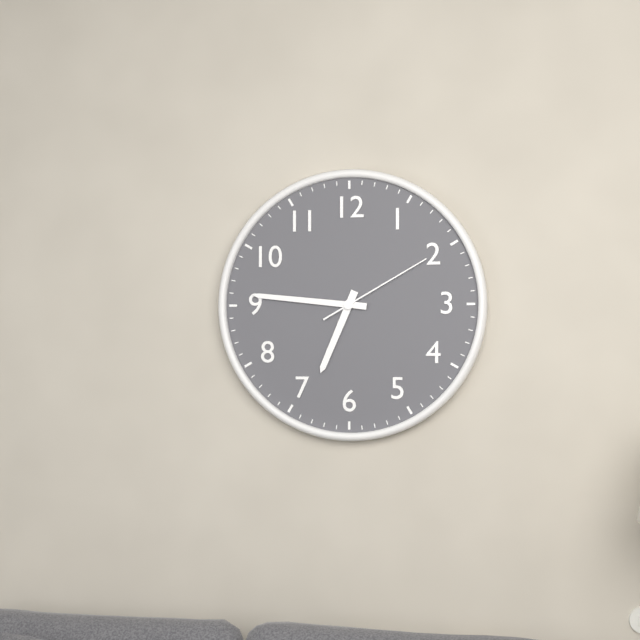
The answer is 6:46:10
